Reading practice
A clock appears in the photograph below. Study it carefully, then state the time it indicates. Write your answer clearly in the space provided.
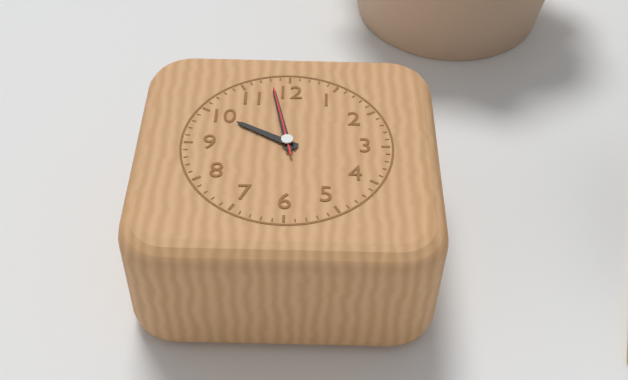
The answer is 9:58:58
